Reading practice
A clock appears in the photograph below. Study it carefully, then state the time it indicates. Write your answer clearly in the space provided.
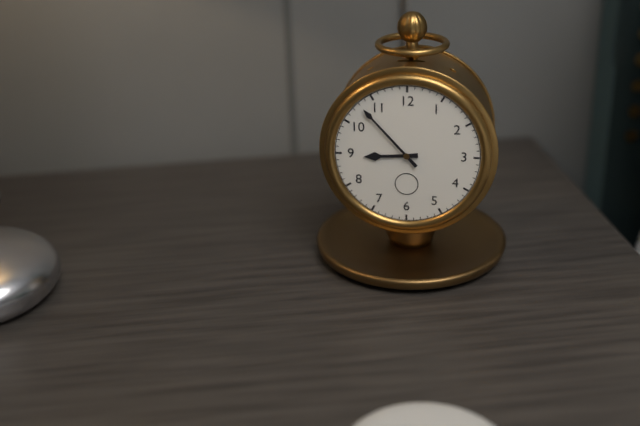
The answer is 8:53
